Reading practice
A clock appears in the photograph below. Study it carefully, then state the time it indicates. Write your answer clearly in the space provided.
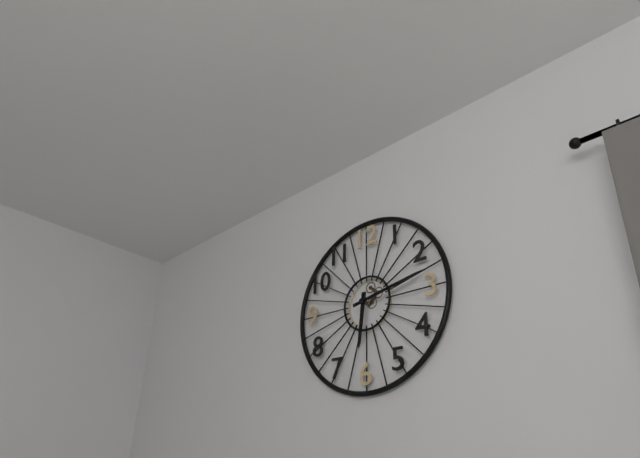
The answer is 6:13
